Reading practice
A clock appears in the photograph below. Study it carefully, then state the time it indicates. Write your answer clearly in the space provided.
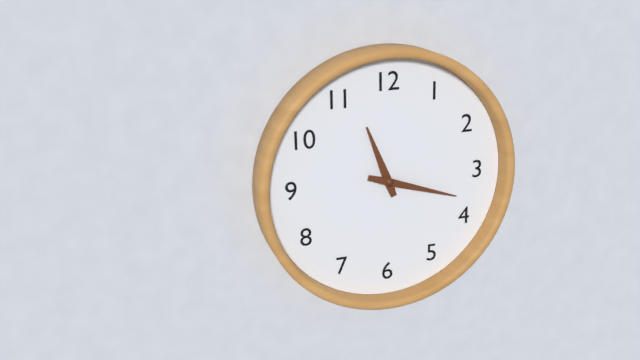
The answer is 11:18
